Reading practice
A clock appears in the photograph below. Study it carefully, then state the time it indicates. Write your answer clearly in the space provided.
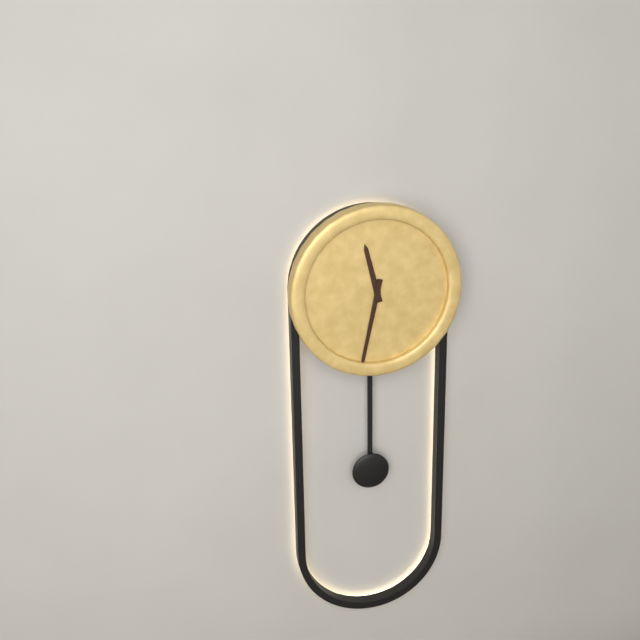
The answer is 11:32
